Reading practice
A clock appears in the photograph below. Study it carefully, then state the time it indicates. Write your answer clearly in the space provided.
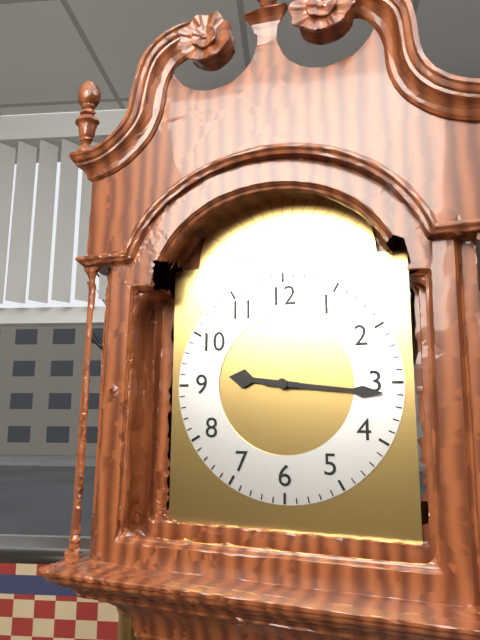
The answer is 9:16
